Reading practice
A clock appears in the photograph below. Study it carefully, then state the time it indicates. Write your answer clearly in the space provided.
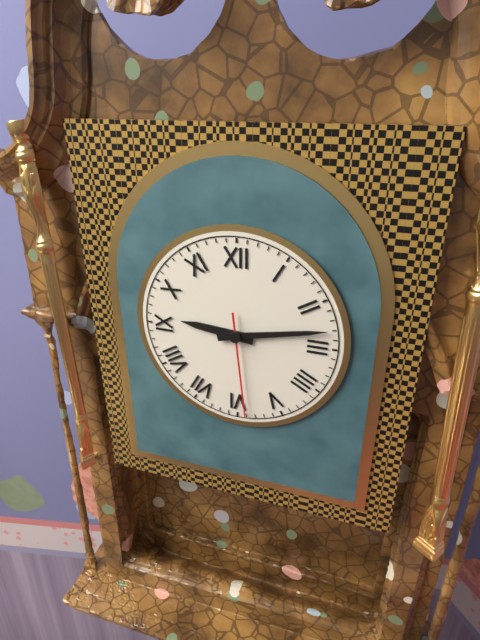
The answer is 9:13:29
